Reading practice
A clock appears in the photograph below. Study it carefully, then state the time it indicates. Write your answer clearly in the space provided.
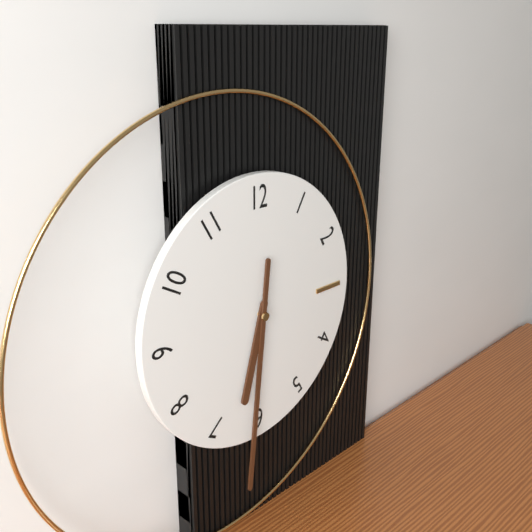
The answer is 6:31
